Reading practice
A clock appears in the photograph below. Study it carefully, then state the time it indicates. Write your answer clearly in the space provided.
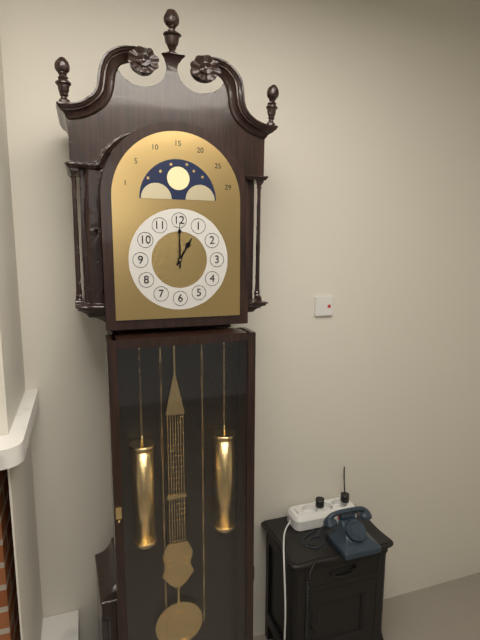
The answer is 1:00
